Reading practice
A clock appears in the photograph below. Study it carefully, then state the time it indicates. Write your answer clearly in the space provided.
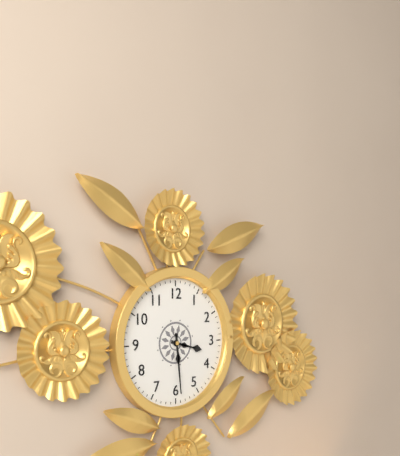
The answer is 3:29
